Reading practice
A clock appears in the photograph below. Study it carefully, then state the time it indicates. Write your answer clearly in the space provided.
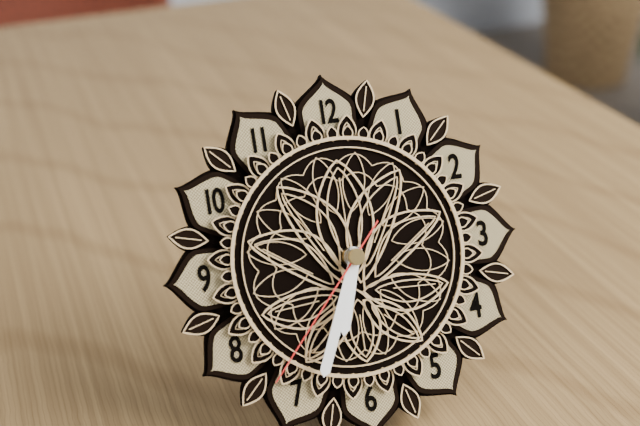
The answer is 6:34:37
